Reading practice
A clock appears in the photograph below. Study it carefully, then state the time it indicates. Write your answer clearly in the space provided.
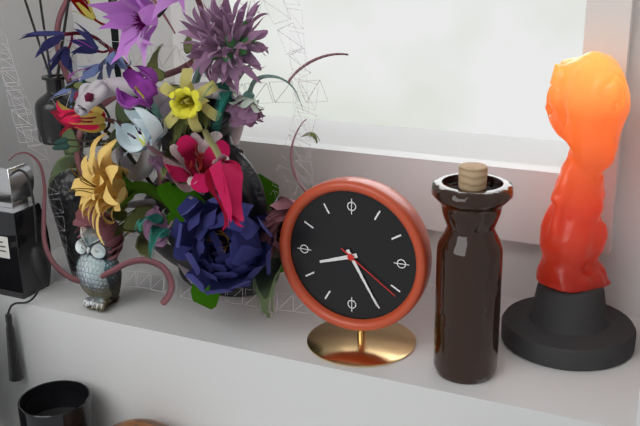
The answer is 8:25:21
